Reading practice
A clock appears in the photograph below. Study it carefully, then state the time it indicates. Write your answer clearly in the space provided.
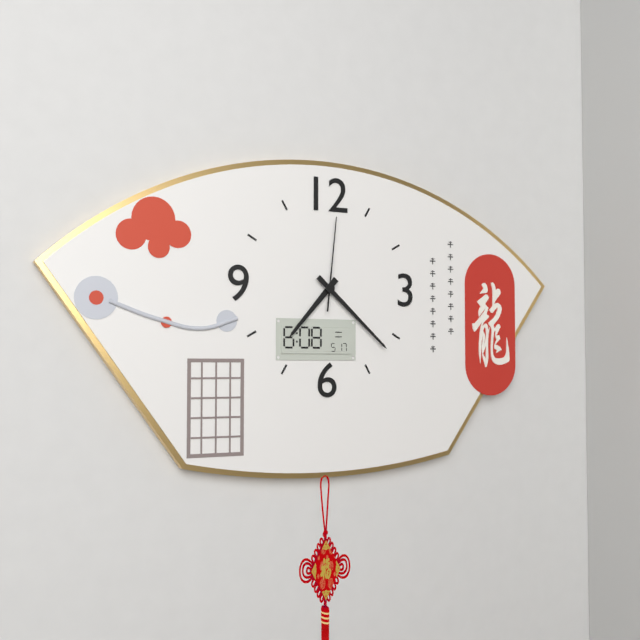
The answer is 7:22:01
